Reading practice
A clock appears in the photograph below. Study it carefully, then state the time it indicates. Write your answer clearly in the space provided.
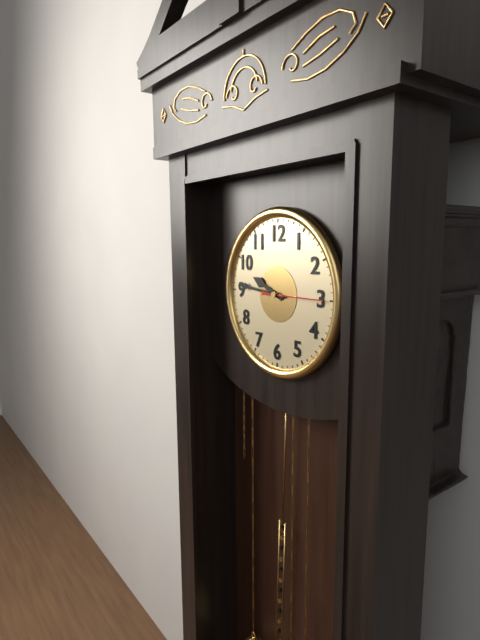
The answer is 9:46:15
